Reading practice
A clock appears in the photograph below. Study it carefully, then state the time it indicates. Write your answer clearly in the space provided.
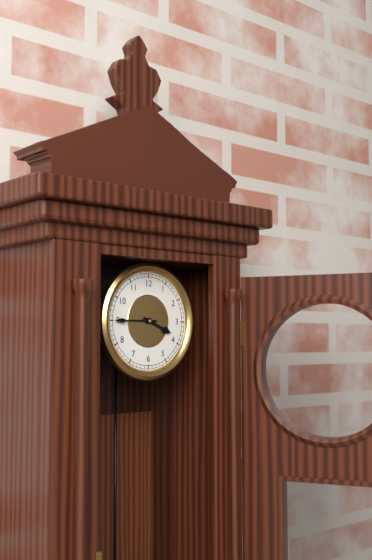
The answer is 3:45
